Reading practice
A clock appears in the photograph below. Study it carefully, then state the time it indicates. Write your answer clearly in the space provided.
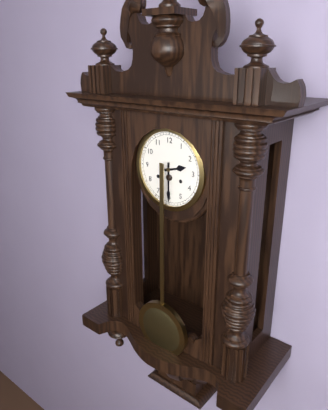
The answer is 2:30
